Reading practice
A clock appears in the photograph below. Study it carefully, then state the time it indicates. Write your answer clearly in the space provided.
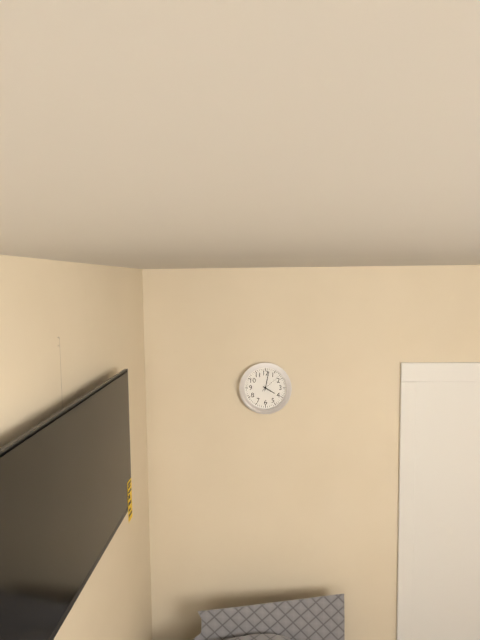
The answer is 4:02
